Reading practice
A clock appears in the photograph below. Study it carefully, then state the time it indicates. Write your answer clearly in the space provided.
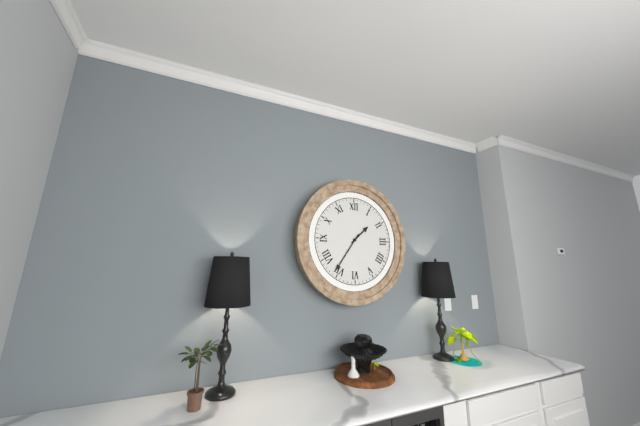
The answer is 1:36
